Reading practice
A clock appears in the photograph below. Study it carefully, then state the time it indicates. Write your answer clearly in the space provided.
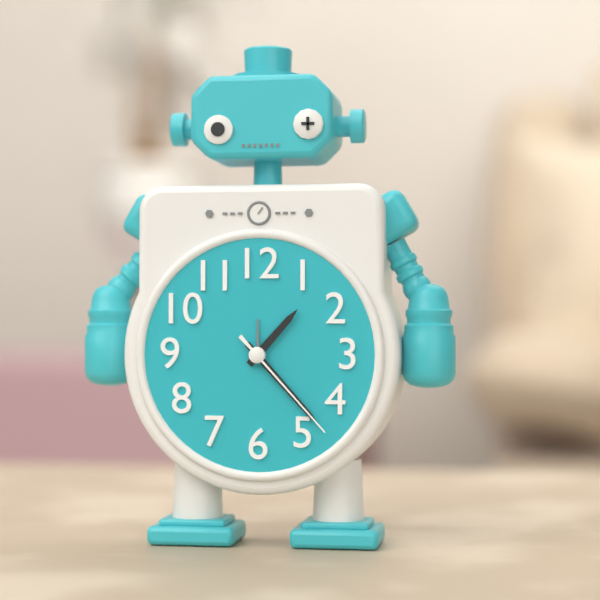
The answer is 1:23:23
